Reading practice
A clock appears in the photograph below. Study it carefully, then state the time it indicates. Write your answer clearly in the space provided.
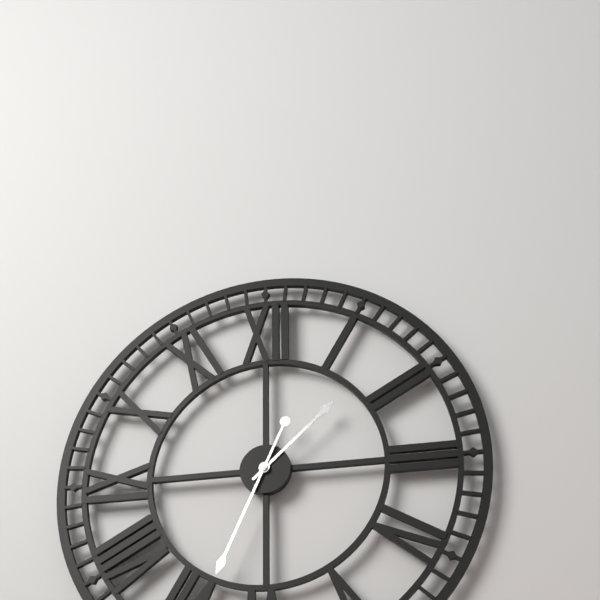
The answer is 1:34
